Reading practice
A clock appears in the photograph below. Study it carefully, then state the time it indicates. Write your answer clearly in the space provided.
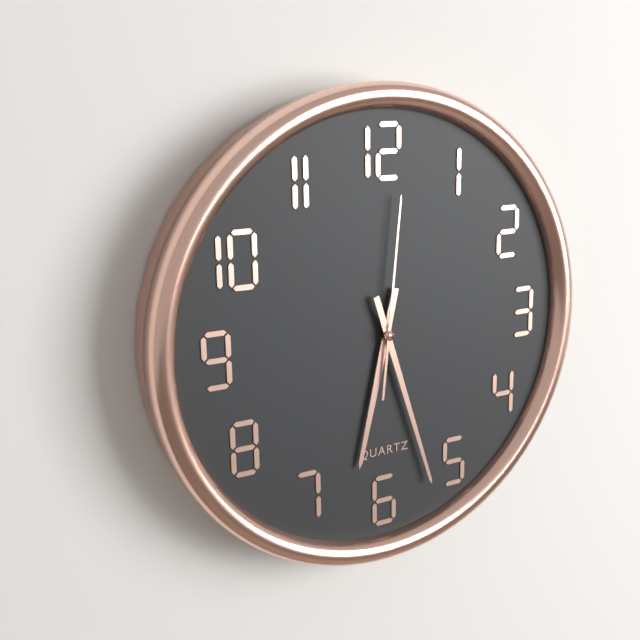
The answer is 6:27:01
